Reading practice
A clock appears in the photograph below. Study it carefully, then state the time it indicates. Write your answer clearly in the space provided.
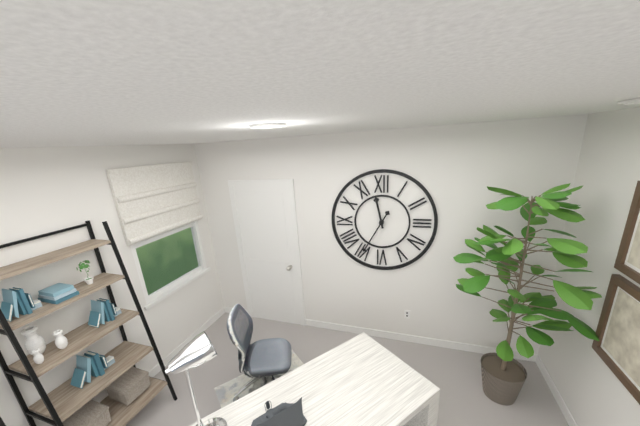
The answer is 11:35
